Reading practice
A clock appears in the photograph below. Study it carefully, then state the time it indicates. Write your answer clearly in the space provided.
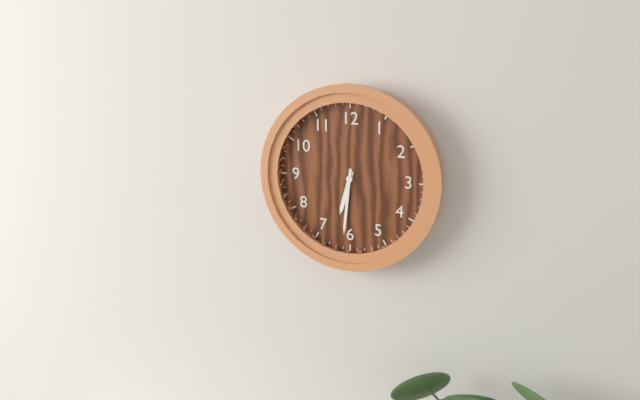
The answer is 6:31
